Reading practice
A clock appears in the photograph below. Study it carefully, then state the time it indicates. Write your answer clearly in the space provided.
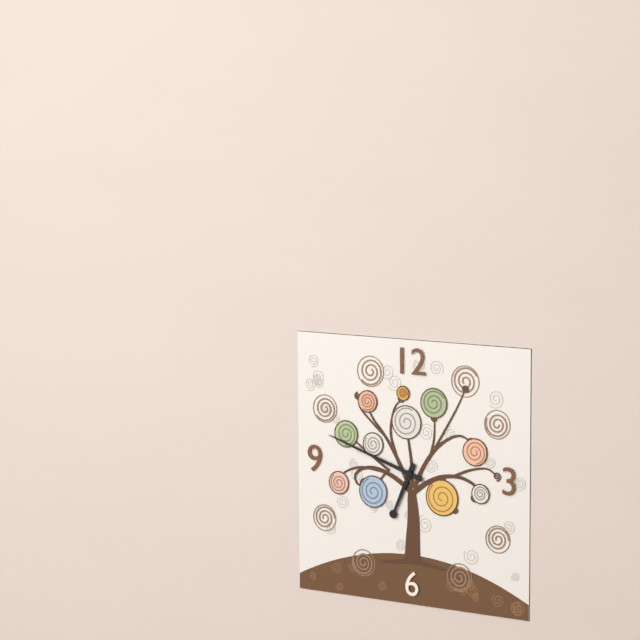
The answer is 6:48
